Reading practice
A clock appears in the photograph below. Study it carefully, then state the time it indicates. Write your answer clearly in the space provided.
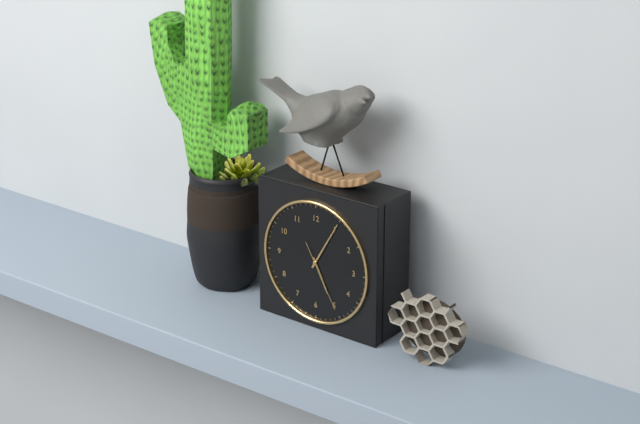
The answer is 5:05:25
